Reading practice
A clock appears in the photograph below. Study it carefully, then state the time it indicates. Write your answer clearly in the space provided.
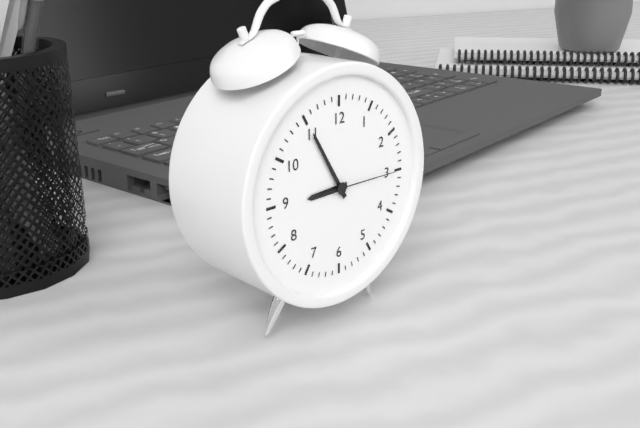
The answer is 8:55:15
